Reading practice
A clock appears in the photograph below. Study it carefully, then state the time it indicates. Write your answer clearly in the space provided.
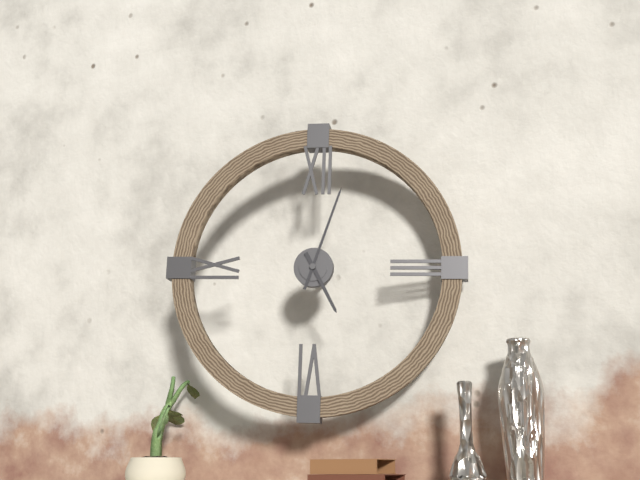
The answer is 5:03
